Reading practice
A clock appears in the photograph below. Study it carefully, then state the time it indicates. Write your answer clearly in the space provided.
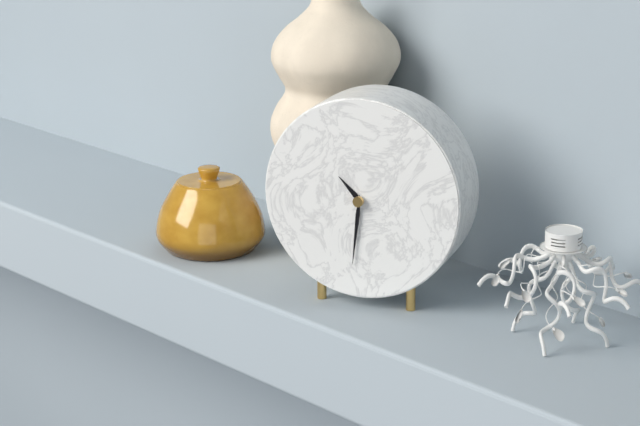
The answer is 10:31
